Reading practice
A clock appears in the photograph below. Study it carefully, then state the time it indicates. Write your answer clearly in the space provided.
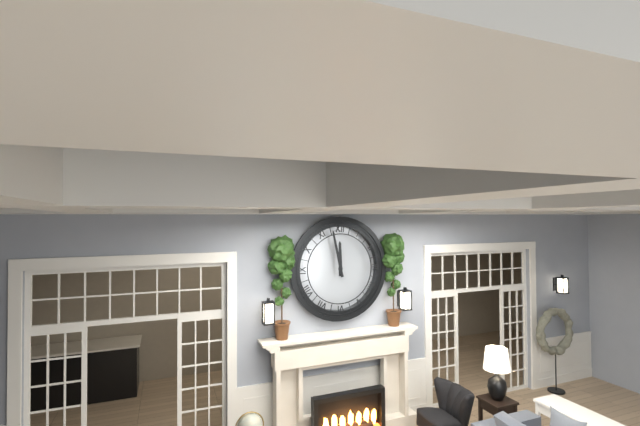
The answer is 11:58
